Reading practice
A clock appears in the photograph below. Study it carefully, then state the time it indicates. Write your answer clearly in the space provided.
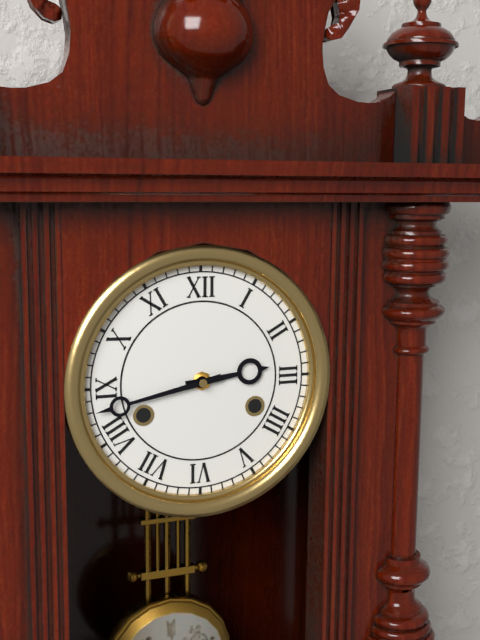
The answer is 2:43
